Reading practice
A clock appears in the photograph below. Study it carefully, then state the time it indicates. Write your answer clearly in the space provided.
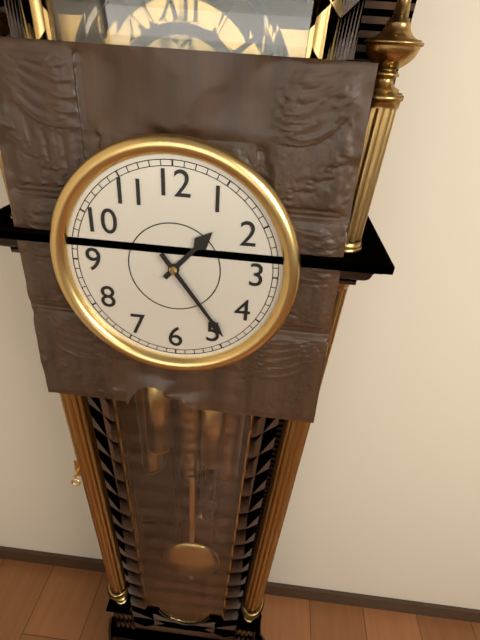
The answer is 1:24
